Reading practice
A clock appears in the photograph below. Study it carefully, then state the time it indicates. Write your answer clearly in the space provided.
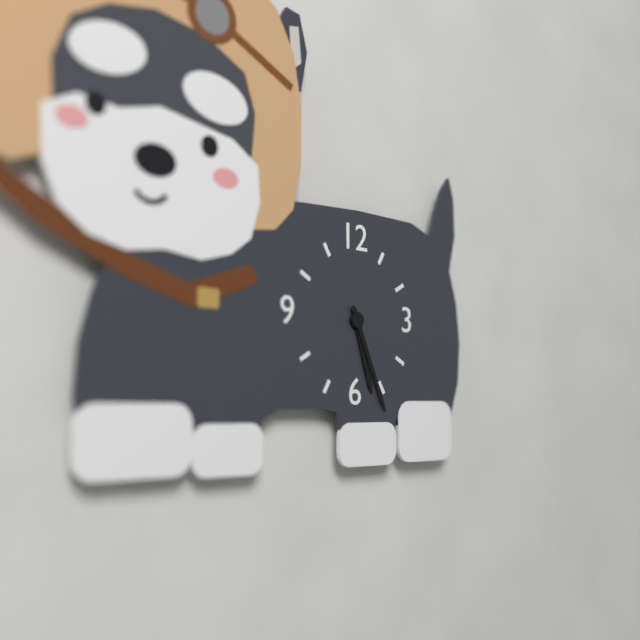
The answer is 5:26
